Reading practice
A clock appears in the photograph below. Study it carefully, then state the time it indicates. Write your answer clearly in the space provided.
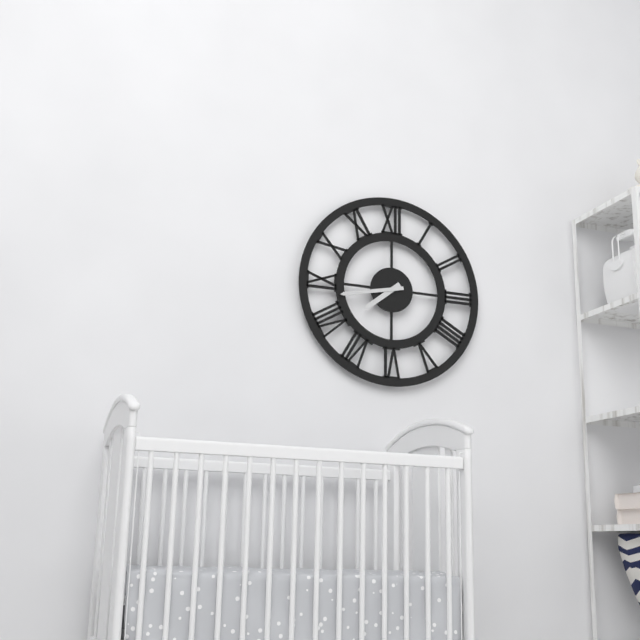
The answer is 7:43
